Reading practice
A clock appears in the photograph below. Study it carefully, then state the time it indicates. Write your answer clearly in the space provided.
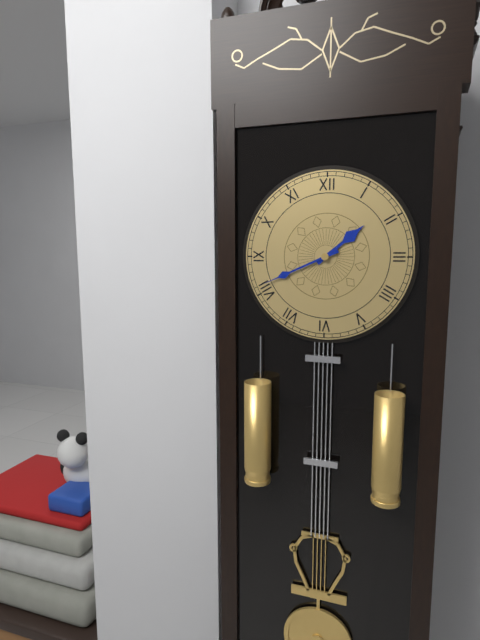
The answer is 1:41
